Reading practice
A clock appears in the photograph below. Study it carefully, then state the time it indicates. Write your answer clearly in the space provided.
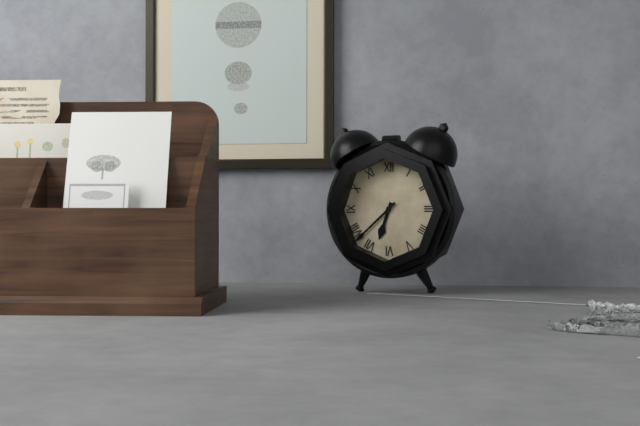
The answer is 6:38
